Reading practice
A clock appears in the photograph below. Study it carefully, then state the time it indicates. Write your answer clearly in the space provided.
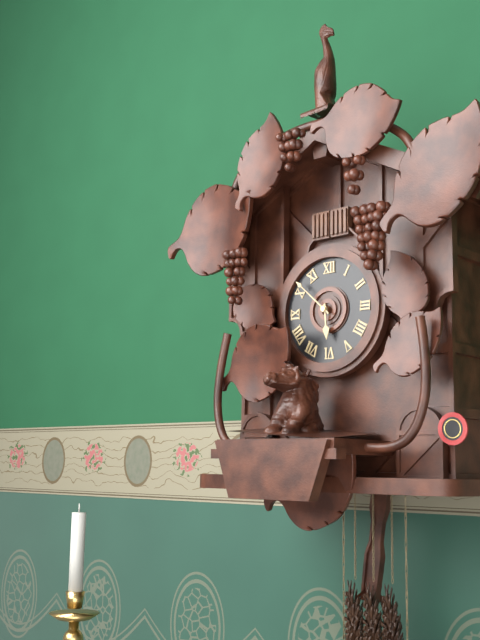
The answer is 5:52
